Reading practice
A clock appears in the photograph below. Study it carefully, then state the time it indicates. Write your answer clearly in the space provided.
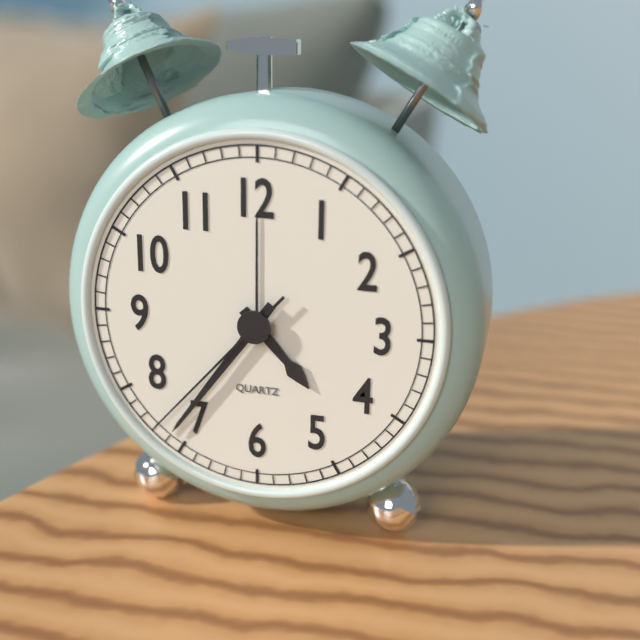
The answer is 4:36:37
